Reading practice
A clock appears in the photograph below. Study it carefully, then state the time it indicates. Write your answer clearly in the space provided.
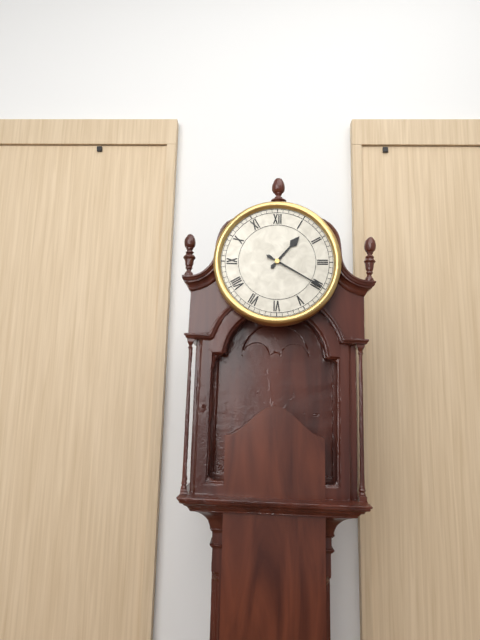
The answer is 1:20
